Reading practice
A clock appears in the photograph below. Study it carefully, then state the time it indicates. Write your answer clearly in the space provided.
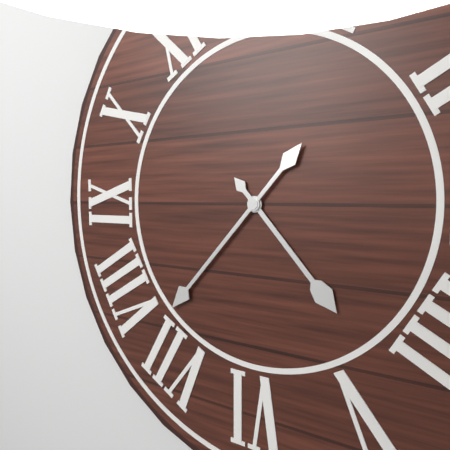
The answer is 4:37
